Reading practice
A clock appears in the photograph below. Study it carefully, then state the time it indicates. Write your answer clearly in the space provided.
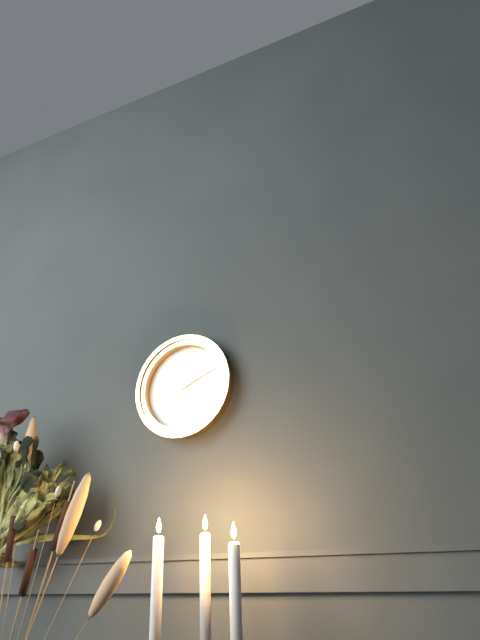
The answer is 2:11
